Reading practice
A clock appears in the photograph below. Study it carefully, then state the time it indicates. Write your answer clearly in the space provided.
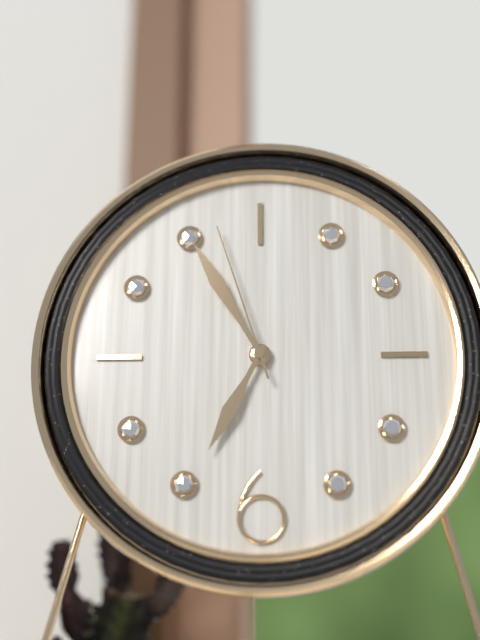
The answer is 6:55:57
